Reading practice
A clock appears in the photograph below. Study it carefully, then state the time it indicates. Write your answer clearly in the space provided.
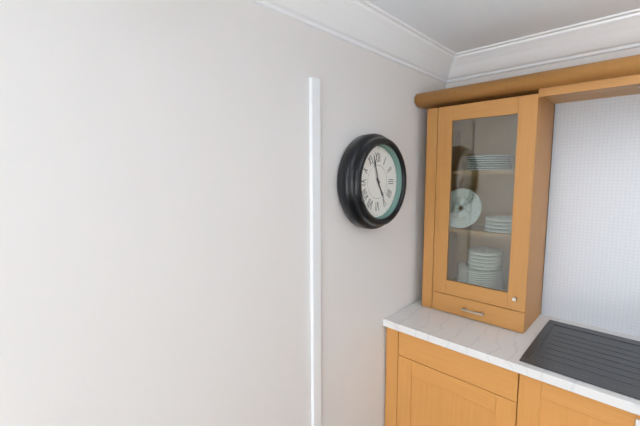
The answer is 4:57
